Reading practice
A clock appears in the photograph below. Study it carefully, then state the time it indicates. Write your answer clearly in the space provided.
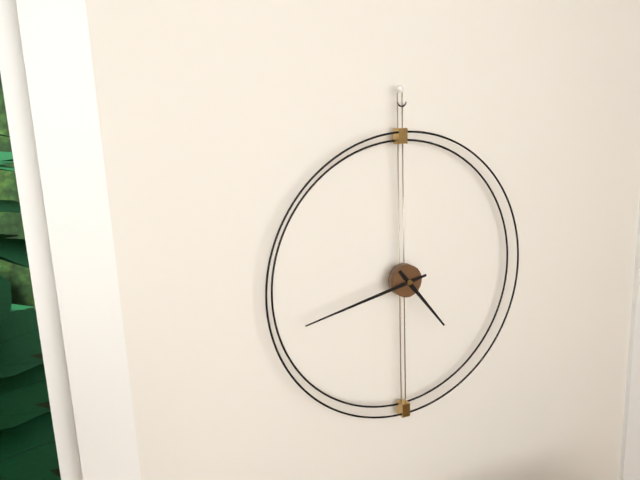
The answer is 4:43
